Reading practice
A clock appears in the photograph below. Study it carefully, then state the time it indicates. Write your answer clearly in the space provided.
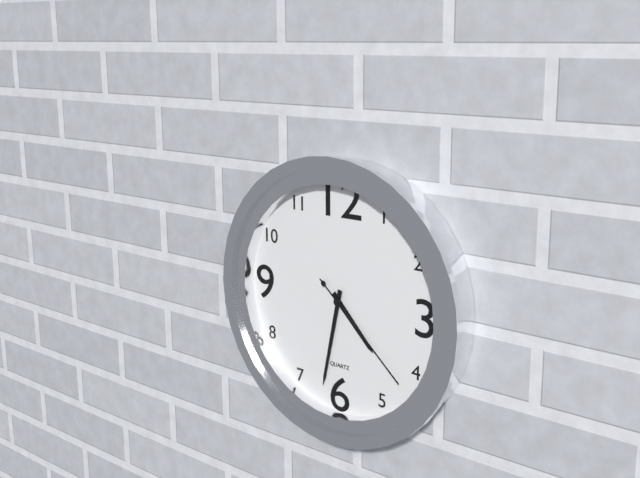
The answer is 4:32:22
